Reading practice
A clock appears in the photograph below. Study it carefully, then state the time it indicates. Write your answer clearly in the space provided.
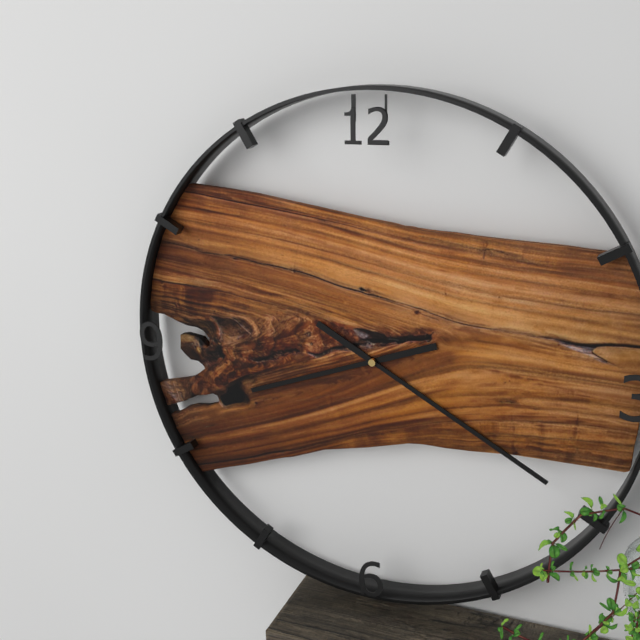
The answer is 8:20
